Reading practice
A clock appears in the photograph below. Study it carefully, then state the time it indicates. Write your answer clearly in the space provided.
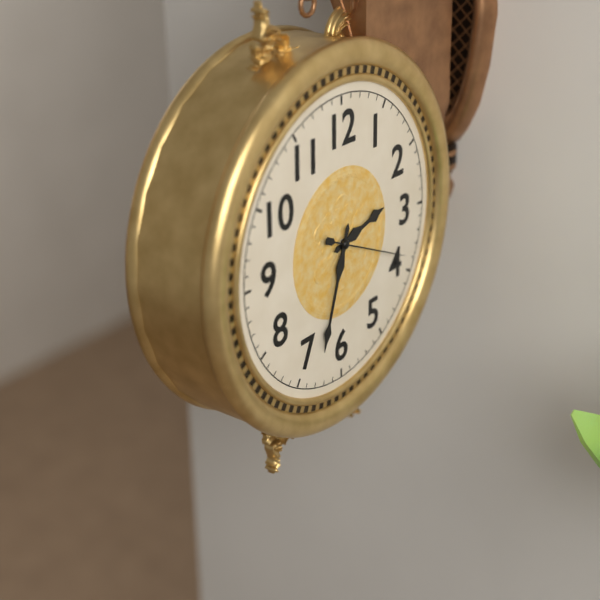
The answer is 2:33:19
